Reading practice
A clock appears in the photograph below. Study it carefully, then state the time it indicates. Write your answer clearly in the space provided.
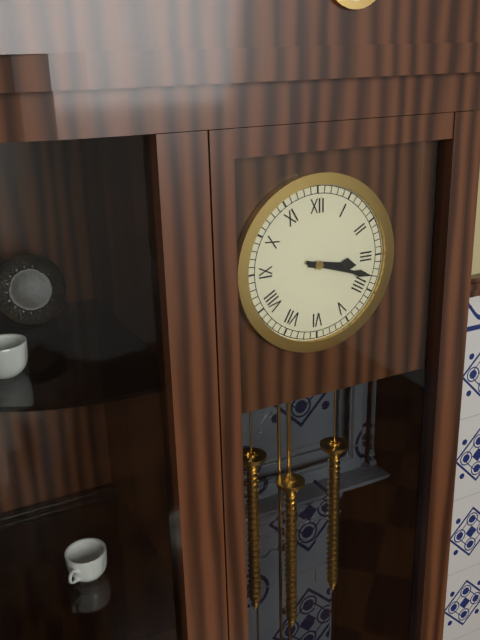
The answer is 3:18
